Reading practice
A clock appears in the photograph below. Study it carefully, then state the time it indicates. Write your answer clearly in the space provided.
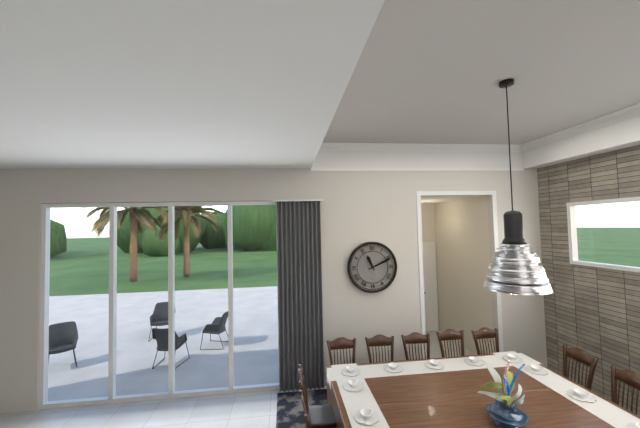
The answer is 11:11
